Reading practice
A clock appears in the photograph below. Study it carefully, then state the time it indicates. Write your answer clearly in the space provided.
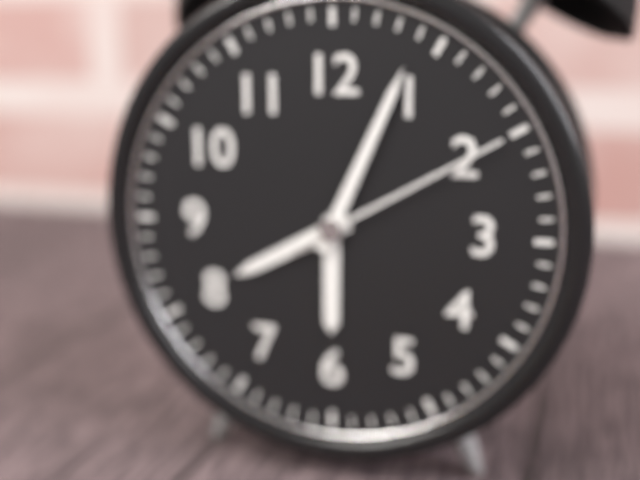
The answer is 8:04:10
